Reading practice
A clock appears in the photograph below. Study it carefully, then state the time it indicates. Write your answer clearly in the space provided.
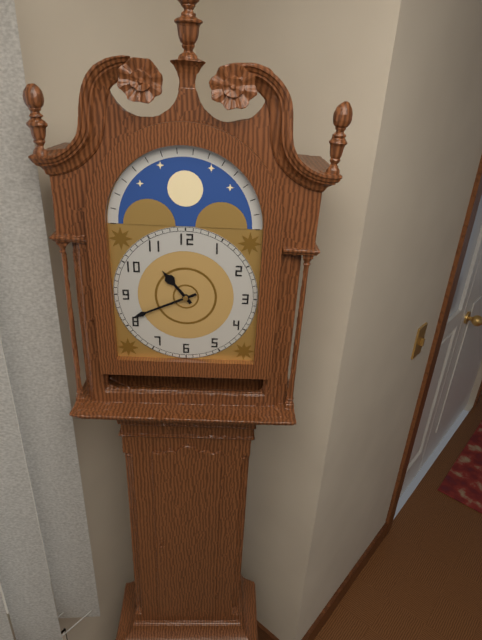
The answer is 10:41
